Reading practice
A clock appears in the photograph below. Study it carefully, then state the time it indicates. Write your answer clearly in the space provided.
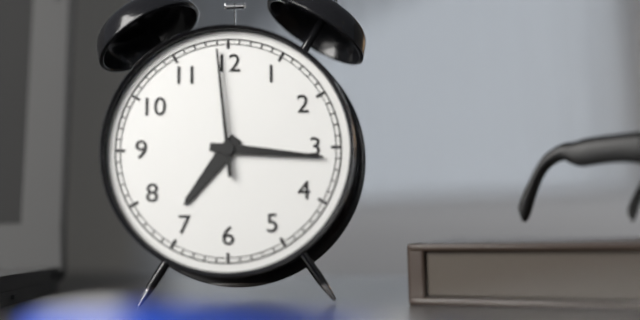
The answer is 7:16:59
